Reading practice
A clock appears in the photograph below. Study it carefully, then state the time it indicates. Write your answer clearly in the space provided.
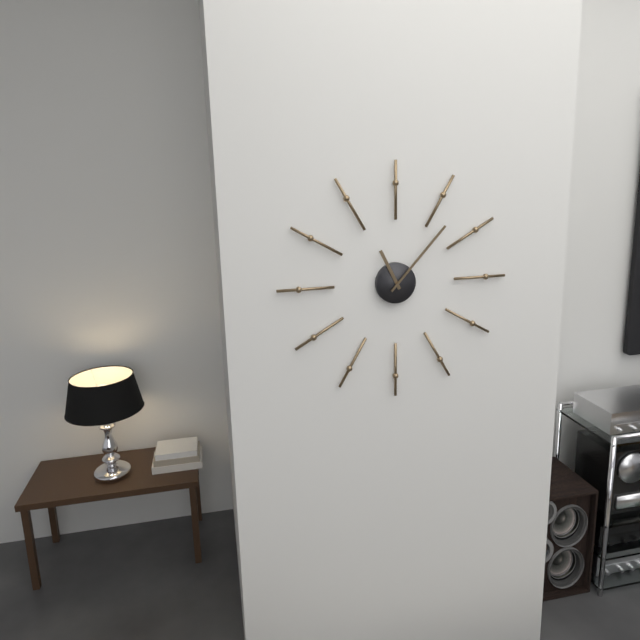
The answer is 11:07
